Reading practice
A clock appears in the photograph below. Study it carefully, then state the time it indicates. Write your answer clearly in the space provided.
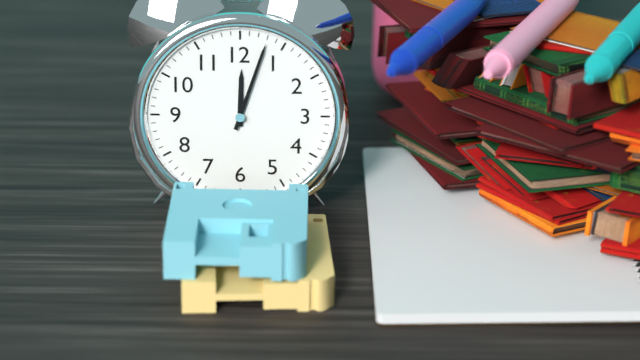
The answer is 12:03
